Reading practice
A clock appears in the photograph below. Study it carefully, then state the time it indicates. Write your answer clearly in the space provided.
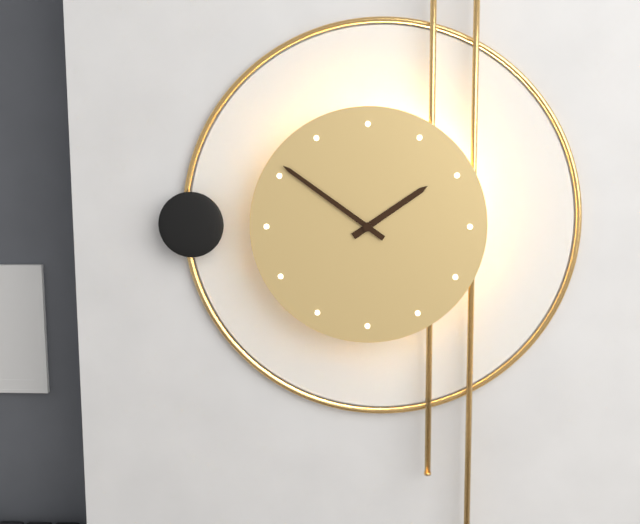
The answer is 1:51
